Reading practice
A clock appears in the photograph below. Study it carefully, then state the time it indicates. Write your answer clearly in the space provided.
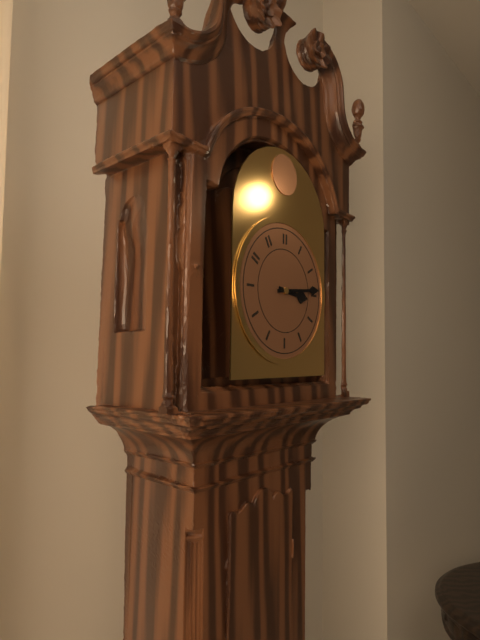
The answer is 3:14
